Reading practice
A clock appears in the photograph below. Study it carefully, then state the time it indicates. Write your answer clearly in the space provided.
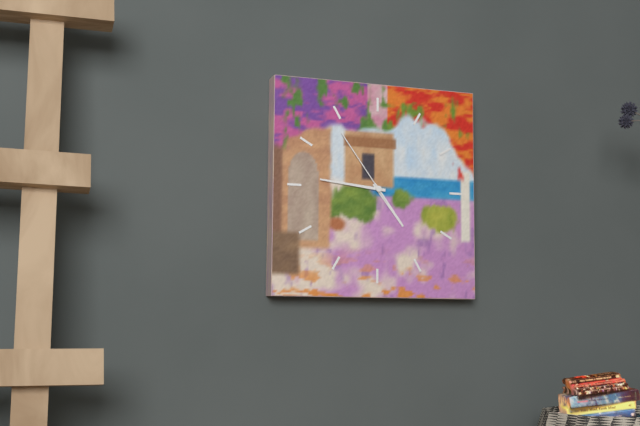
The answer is 4:46:54
